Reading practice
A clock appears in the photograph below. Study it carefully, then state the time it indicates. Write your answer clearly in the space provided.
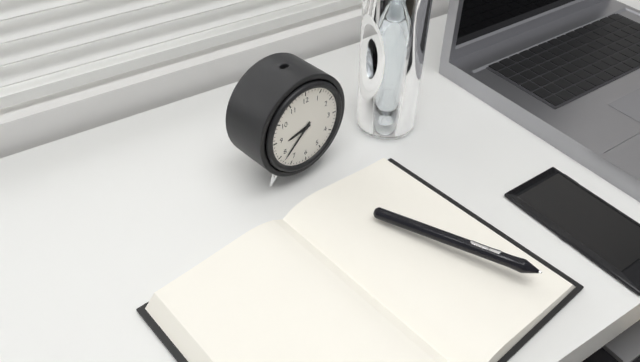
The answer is 8:38
